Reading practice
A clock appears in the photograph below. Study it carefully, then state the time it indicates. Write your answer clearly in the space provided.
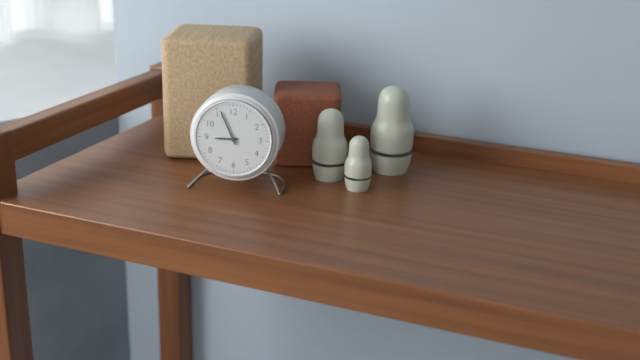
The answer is 8:56
